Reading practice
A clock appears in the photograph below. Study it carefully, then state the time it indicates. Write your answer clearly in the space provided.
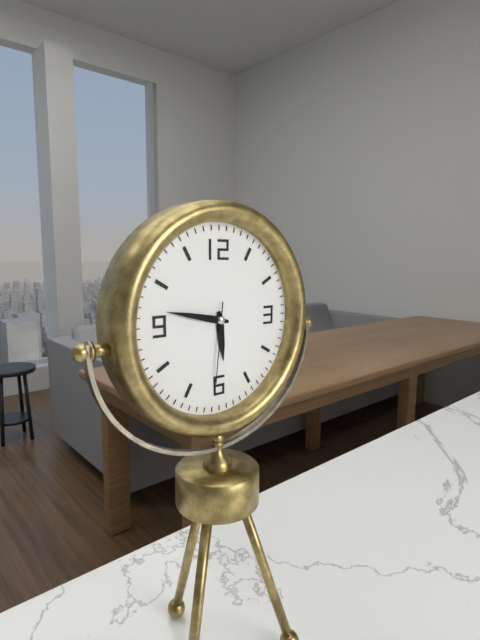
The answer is 5:47:31
